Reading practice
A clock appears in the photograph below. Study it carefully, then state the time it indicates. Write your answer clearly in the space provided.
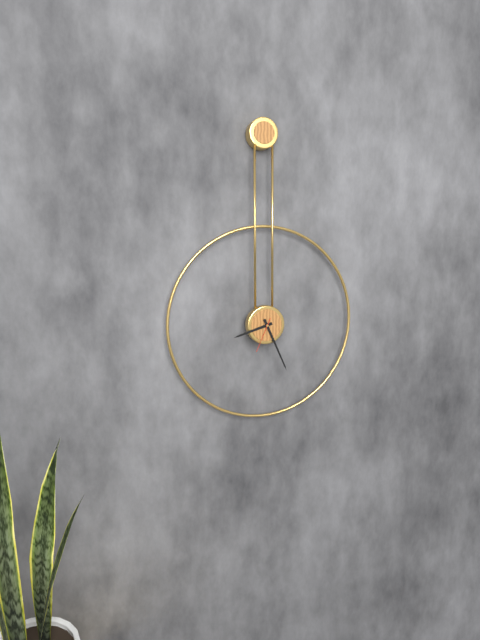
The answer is 8:26
